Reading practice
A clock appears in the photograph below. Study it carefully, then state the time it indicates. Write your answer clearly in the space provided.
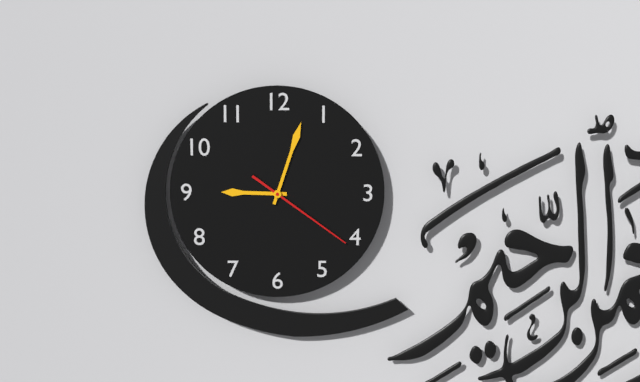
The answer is 9:03:21
